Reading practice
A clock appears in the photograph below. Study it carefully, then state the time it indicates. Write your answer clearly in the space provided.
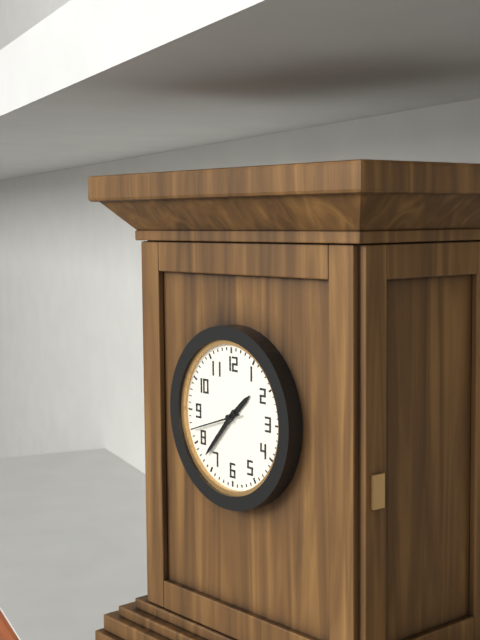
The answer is 1:37:42
